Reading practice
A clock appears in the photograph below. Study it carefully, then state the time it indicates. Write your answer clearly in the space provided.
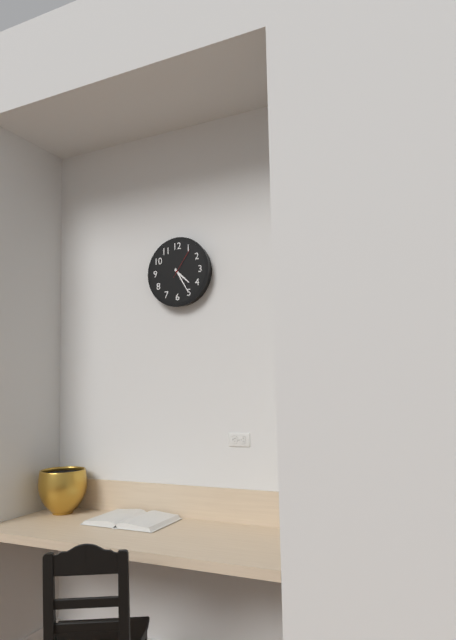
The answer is 4:25
